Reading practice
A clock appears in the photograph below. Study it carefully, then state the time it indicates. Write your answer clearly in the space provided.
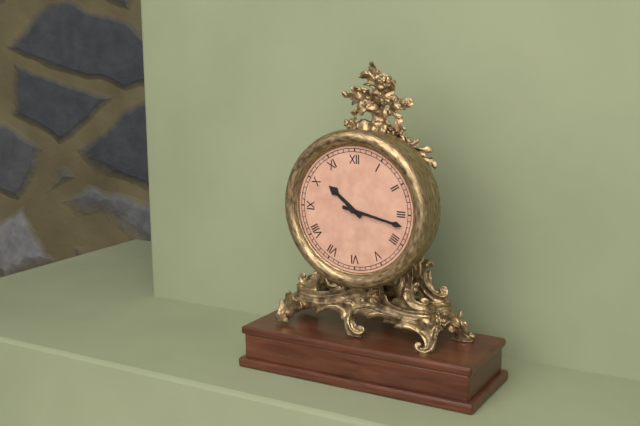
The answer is 10:17
